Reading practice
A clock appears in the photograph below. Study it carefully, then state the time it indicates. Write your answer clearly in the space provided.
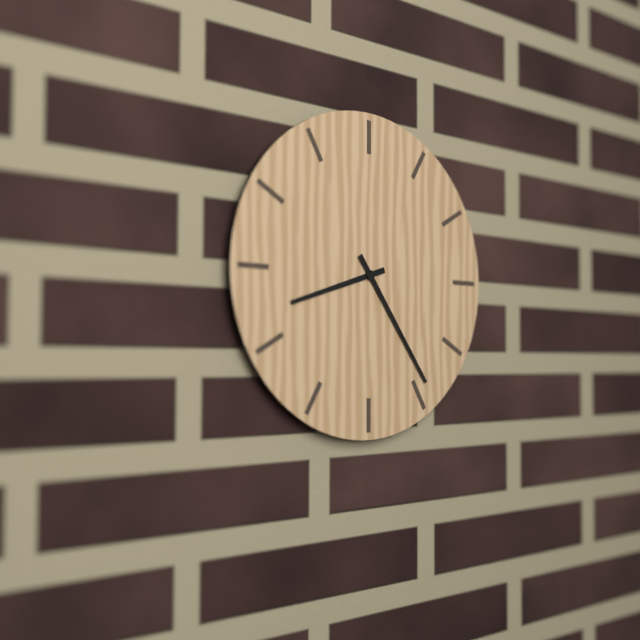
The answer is 8:24
